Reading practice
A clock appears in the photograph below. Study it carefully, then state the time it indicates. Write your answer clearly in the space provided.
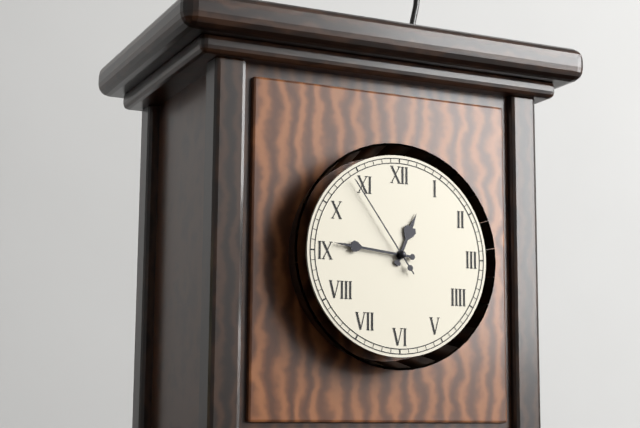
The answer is 12:46:54
